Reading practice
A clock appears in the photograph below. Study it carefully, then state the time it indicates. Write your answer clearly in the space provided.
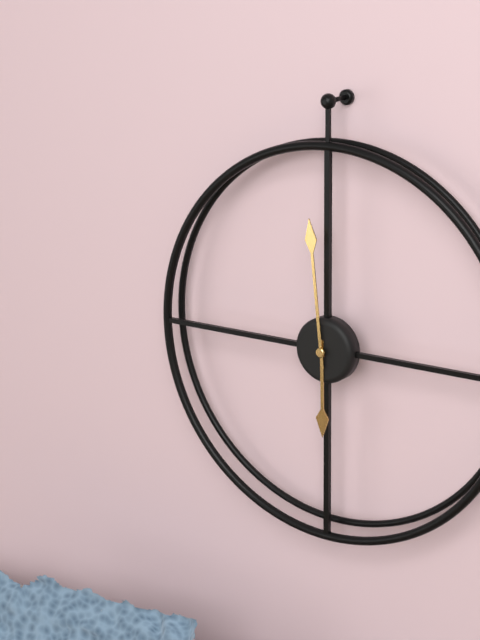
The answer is 5:59
